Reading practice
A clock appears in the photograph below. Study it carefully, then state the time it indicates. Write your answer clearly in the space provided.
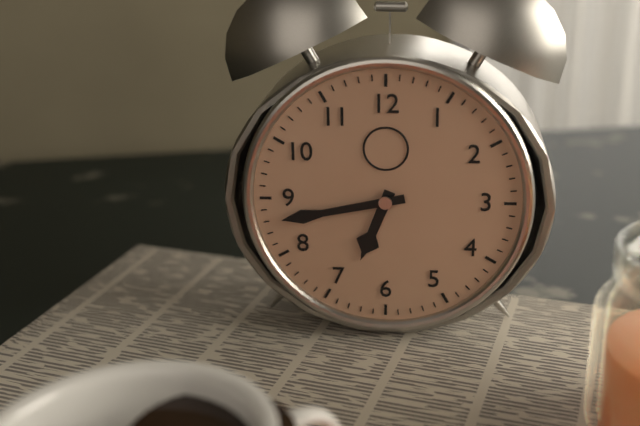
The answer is 6:43
